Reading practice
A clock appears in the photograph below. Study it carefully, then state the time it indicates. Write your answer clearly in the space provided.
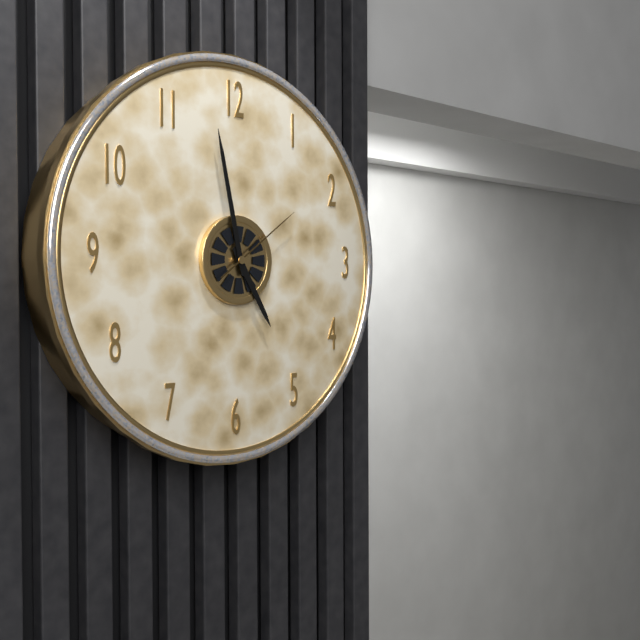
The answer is 4:58:09
